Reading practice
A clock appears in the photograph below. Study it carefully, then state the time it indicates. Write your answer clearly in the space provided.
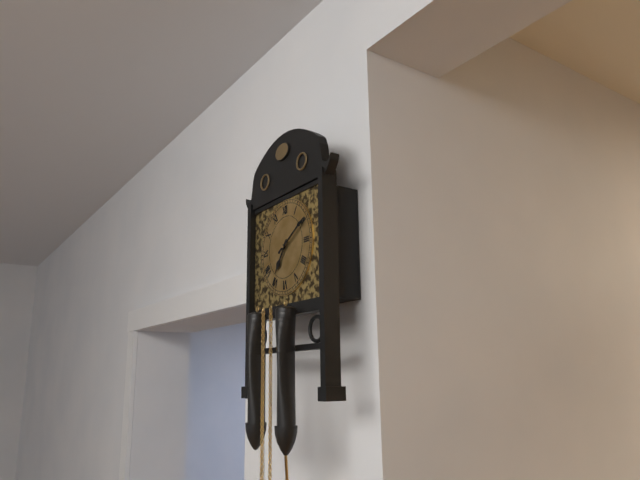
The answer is 7:10
